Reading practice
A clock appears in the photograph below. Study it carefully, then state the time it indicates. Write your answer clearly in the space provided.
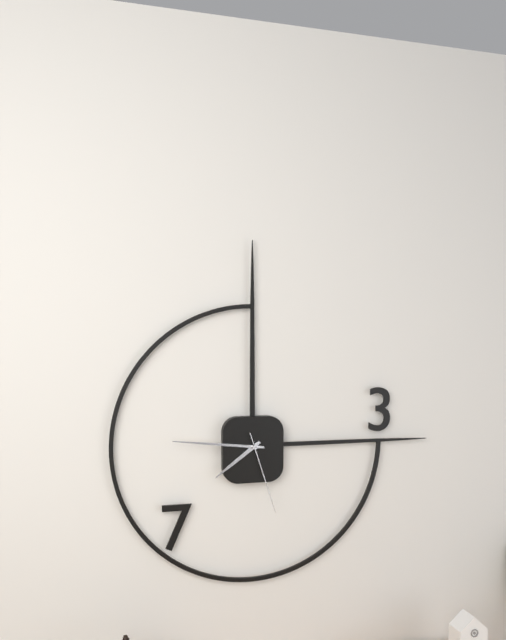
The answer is 7:46:27
